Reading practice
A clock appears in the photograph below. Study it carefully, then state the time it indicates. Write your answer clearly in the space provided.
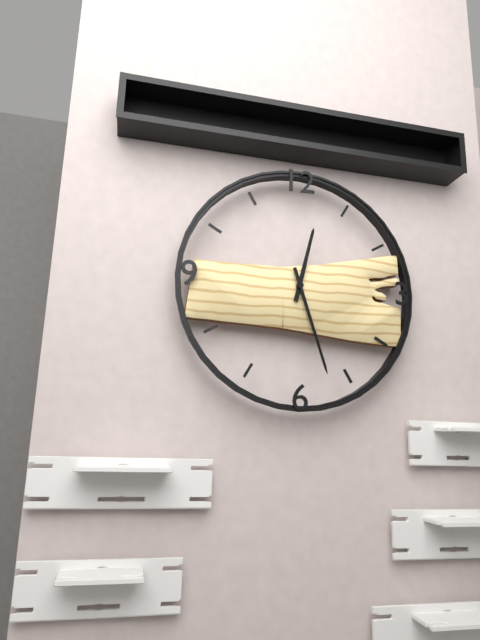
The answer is 12:27
